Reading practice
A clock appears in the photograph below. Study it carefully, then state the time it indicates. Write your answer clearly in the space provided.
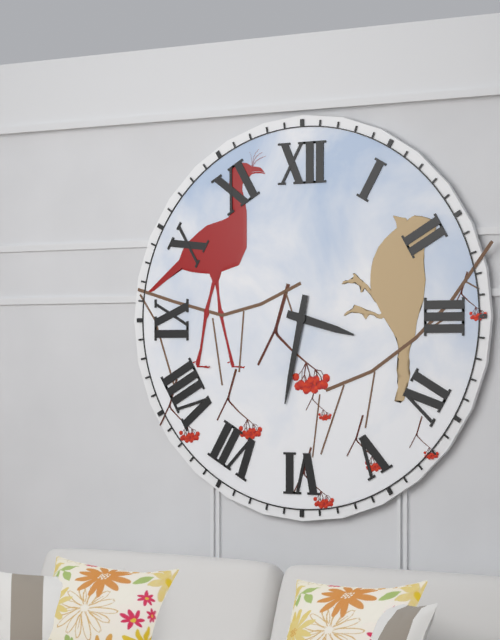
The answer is 3:32
